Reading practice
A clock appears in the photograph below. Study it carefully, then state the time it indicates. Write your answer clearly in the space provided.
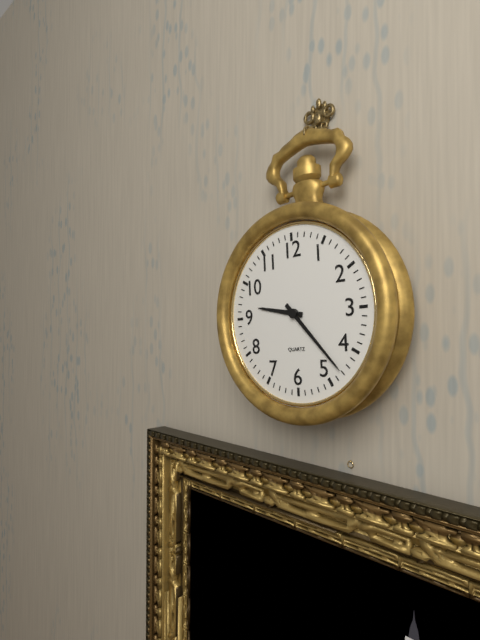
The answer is 9:23
